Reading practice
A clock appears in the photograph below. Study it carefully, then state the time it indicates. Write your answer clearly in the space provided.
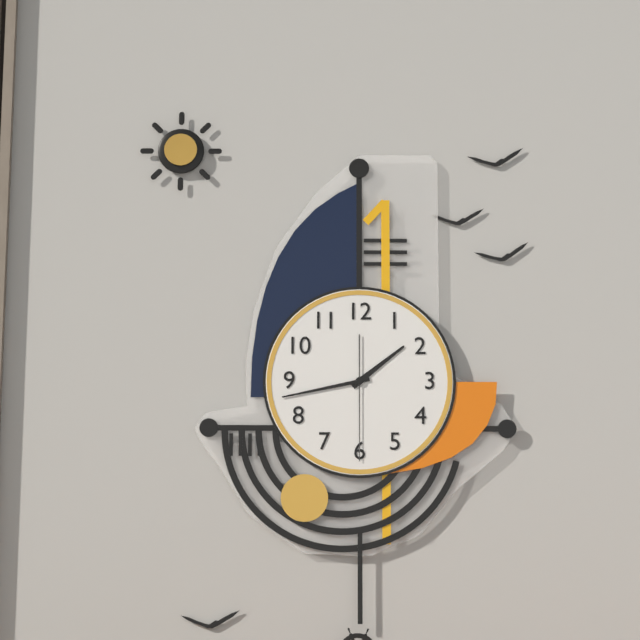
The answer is 1:43:30
